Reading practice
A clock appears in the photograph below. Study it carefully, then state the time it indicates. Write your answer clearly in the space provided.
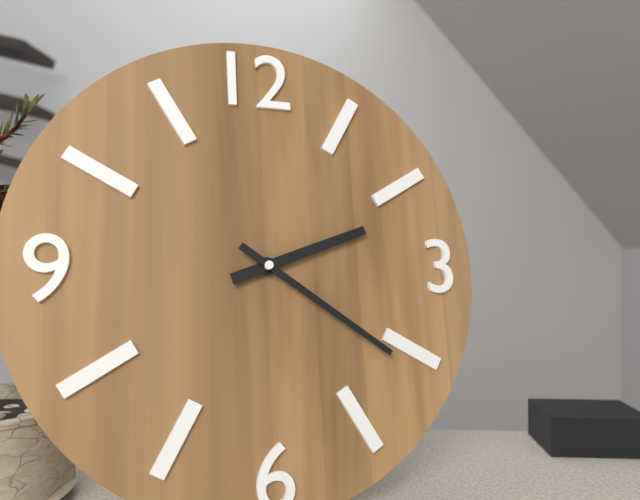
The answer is 2:21
